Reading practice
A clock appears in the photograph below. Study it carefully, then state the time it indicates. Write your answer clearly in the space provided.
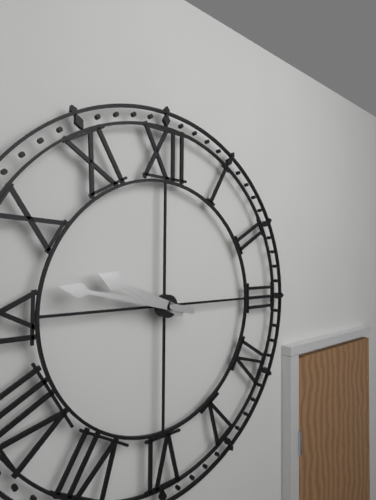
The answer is 9:47
